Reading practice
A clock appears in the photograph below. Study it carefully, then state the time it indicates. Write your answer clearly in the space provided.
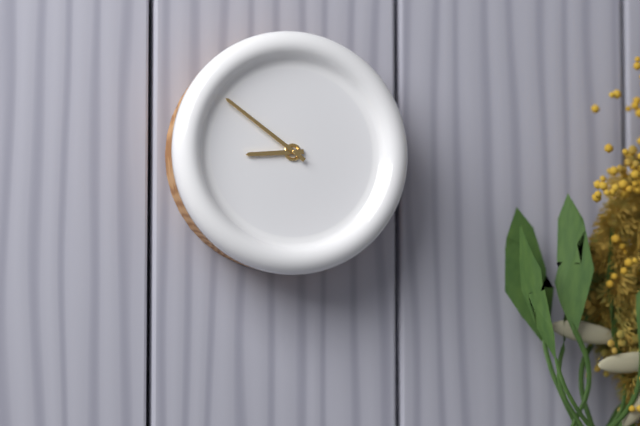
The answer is 8:51
